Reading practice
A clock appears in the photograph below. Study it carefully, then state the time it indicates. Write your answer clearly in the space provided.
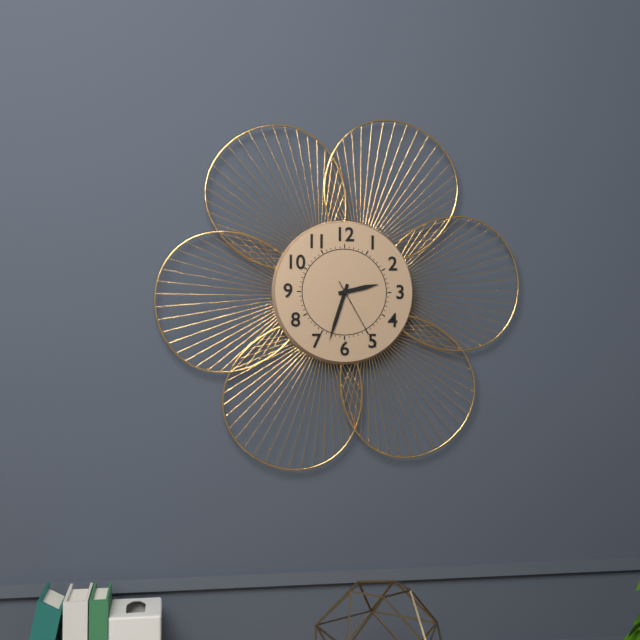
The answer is 2:33:25
